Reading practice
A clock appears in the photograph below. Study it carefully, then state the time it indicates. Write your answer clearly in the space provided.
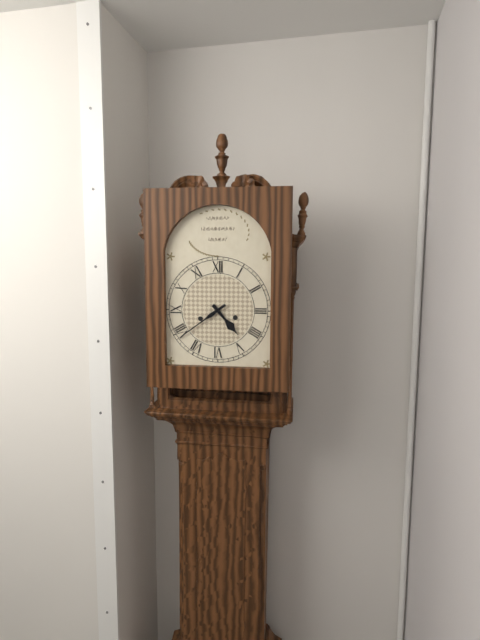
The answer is 4:39
